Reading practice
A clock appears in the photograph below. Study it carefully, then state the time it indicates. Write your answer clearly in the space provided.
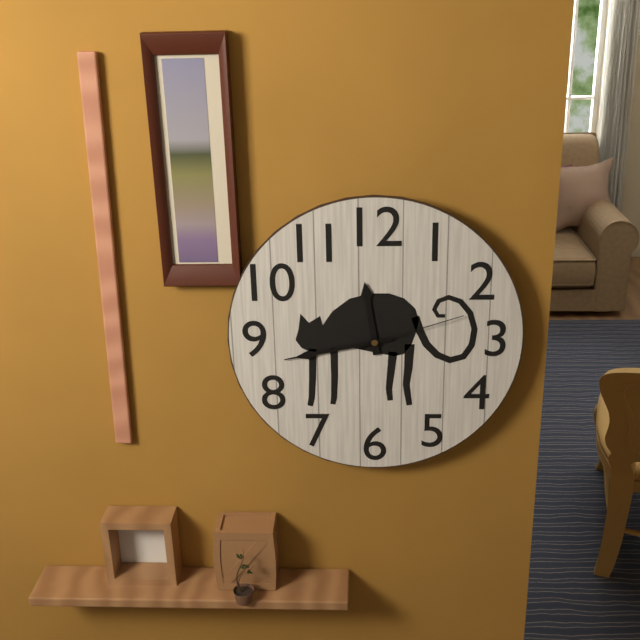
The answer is 11:43:12
